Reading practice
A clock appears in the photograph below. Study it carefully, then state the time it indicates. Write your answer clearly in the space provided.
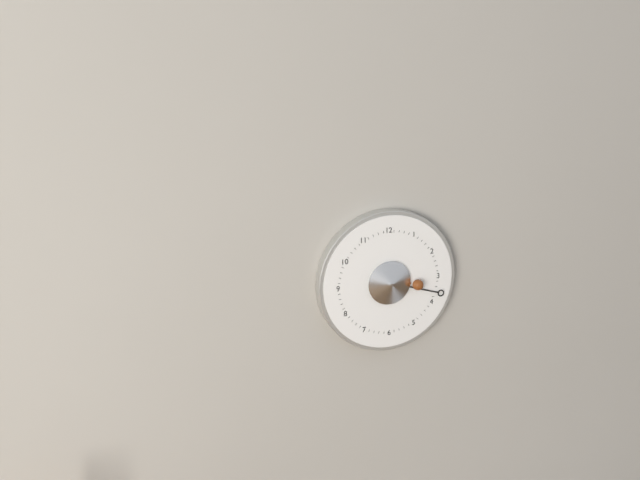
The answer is 3:18
